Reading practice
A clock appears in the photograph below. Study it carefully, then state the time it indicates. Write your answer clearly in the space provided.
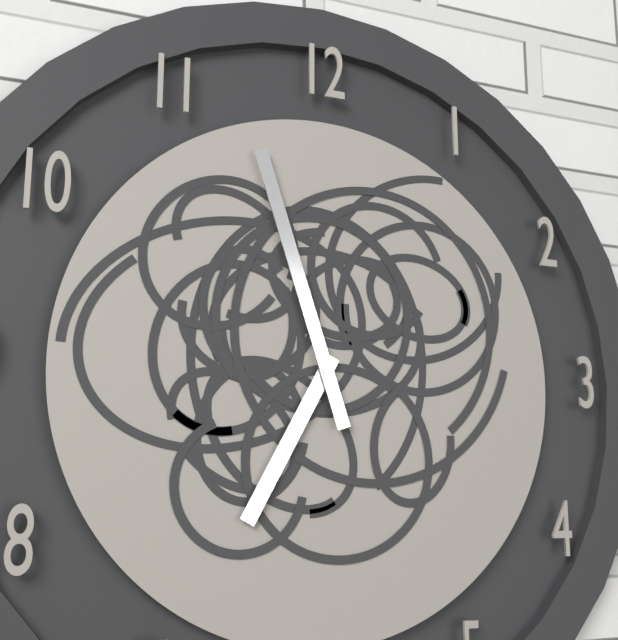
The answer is 6:57
